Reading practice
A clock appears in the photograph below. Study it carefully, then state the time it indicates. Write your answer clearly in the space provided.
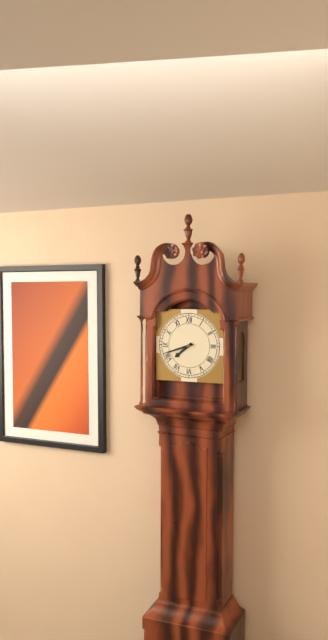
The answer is 7:42
